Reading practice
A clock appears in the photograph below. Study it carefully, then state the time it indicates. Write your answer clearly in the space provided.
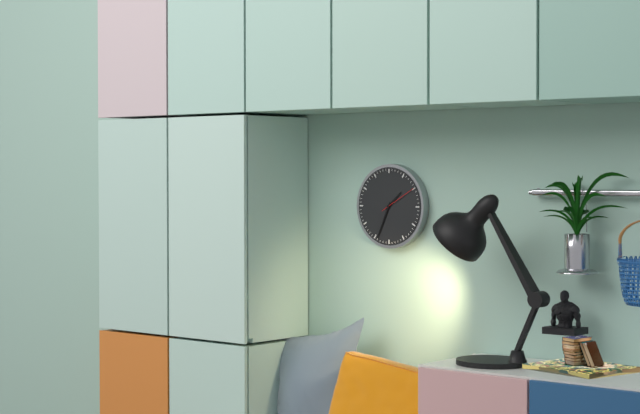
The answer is 1:34
